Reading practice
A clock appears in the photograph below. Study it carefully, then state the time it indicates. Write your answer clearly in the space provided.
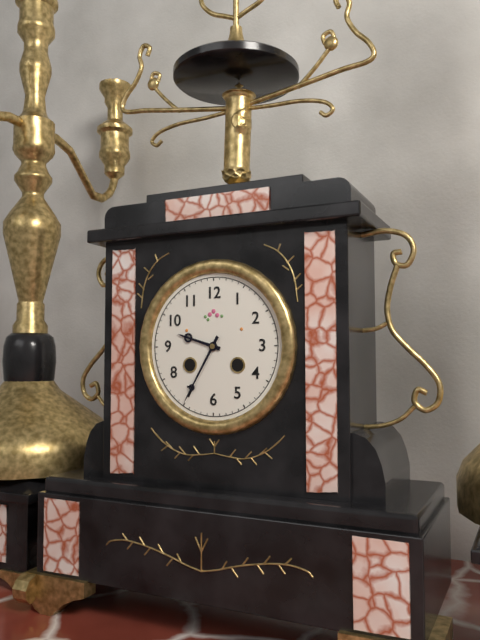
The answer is 9:35
